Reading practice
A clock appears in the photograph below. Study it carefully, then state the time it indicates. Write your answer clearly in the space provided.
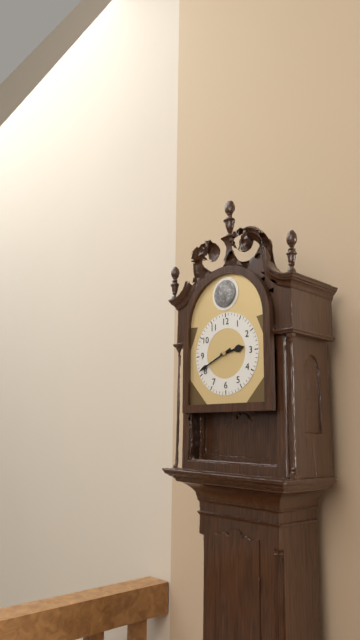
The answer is 2:41
